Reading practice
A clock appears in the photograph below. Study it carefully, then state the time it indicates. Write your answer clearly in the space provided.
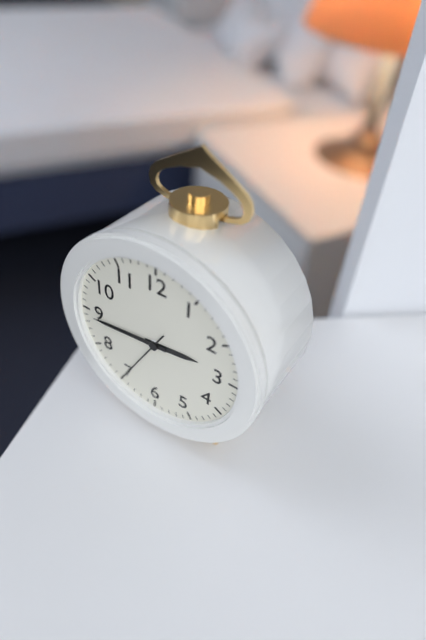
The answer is 2:44:35
